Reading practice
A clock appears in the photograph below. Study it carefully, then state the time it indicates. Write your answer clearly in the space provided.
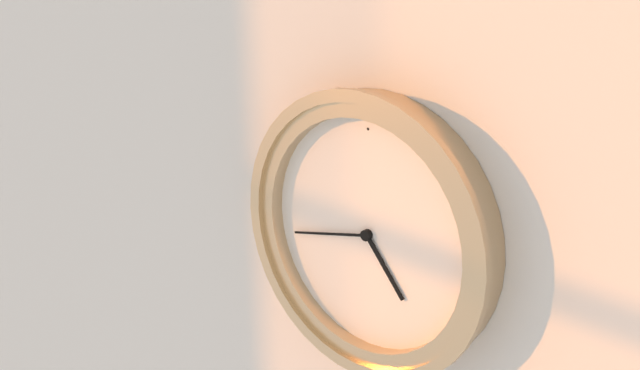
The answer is 4:43
